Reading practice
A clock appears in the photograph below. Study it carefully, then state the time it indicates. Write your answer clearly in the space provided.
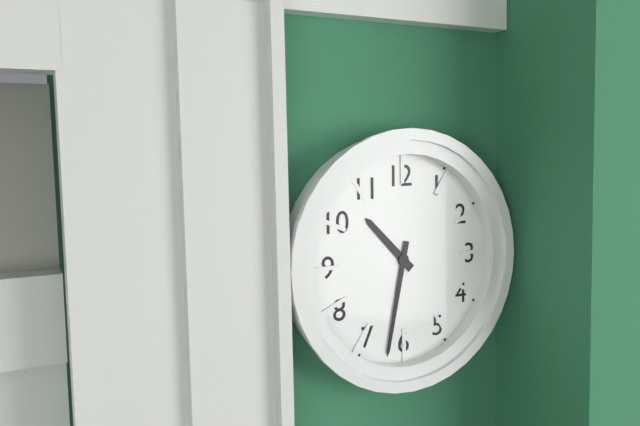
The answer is 10:32
